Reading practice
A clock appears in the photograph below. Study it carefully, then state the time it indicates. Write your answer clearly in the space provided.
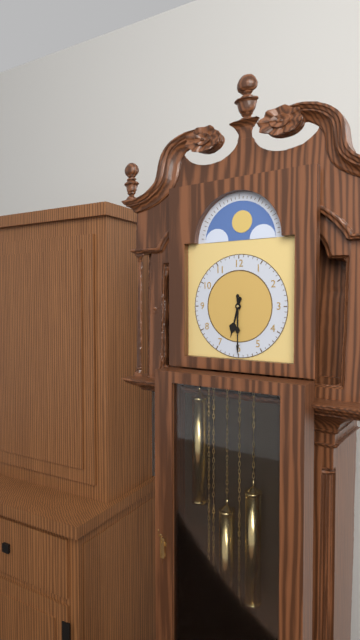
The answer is 6:30
